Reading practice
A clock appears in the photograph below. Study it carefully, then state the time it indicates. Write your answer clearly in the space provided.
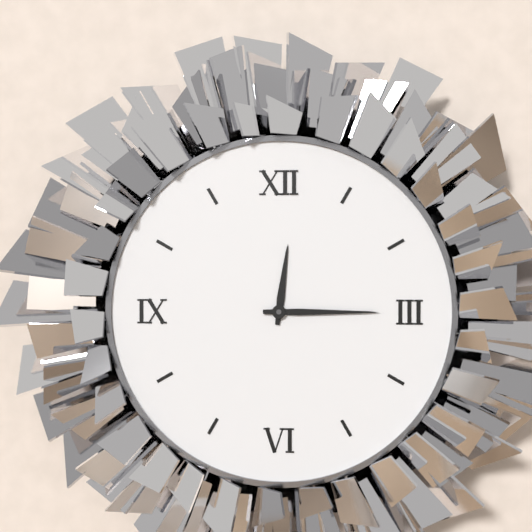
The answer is 12:15
